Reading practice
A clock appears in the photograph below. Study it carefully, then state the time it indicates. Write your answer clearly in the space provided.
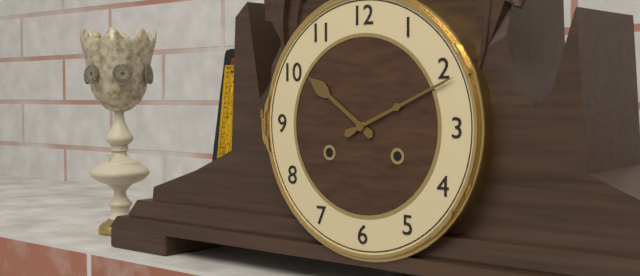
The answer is 10:11
